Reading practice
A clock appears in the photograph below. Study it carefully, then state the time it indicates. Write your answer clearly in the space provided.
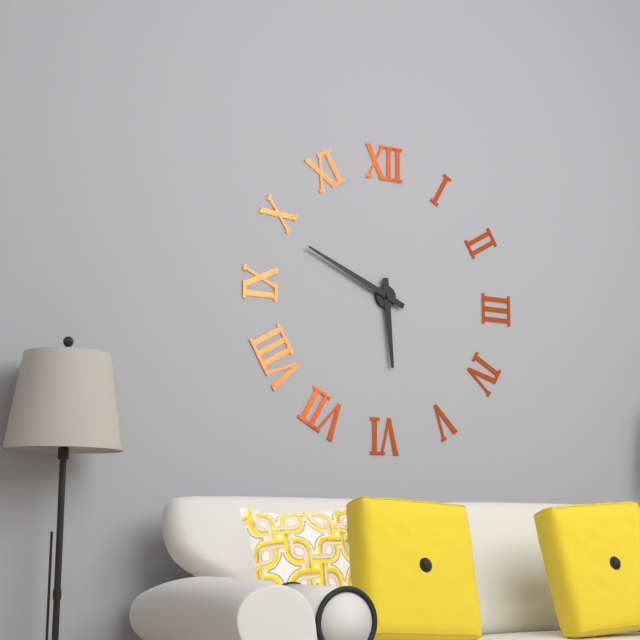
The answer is 5:49
